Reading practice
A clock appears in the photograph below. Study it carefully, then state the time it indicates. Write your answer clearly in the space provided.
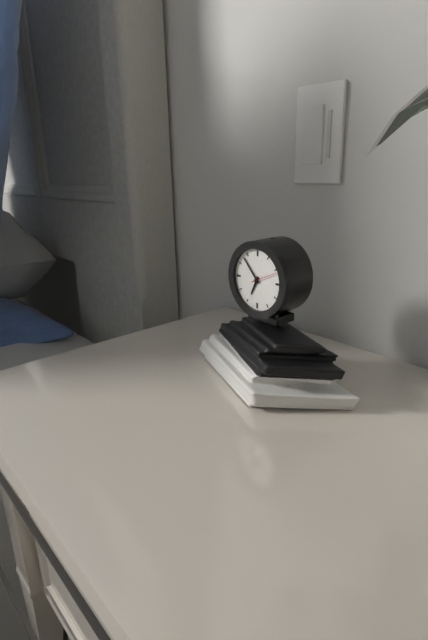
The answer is 6:53
